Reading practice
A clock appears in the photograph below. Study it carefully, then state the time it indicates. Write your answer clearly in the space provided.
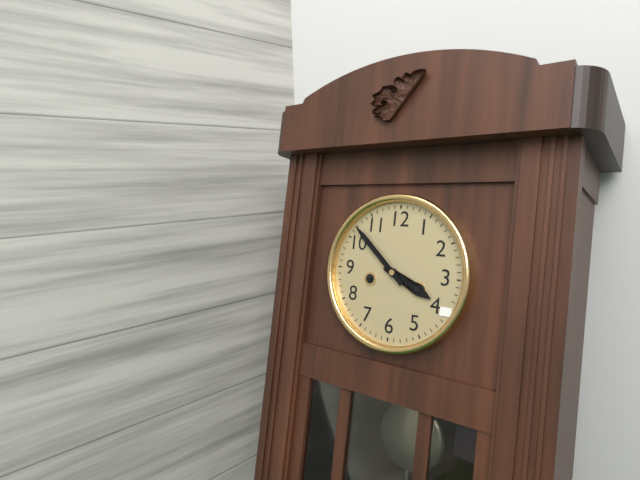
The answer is 3:52
